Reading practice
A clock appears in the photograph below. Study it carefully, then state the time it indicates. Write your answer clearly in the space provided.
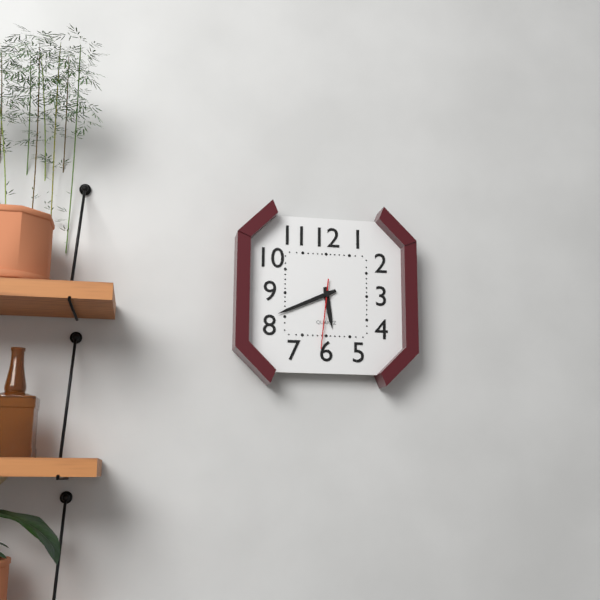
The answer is 5:41:31
